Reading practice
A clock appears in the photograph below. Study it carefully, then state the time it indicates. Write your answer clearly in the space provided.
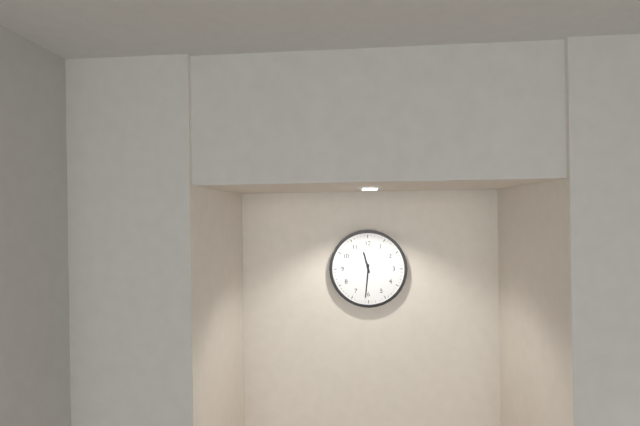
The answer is 11:31
